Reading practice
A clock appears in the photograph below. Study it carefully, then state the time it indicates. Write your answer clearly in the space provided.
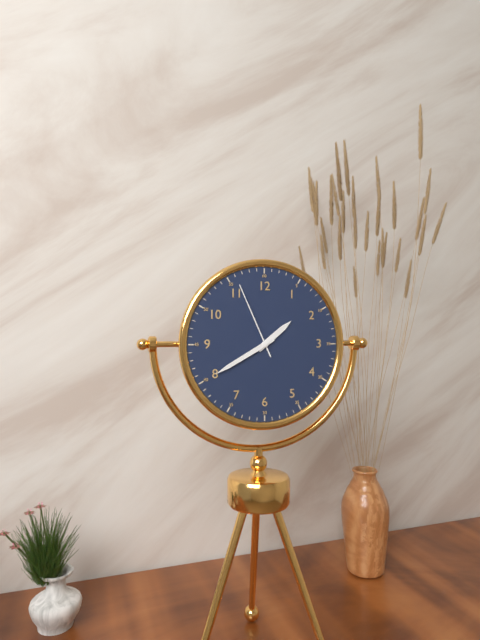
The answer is 1:40:56
